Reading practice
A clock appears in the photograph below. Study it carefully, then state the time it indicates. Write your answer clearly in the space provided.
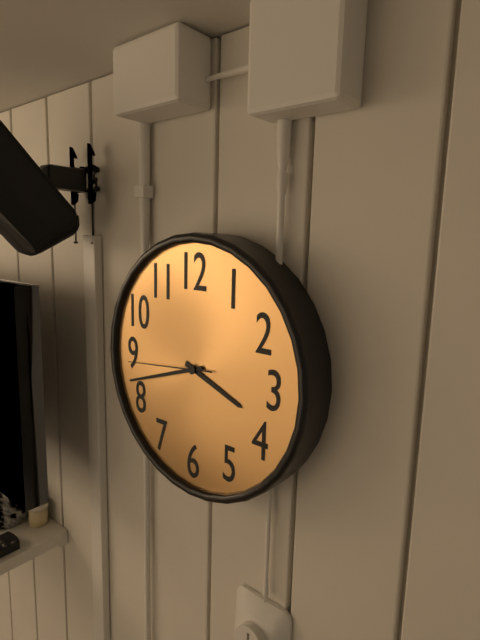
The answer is 3:42:44
